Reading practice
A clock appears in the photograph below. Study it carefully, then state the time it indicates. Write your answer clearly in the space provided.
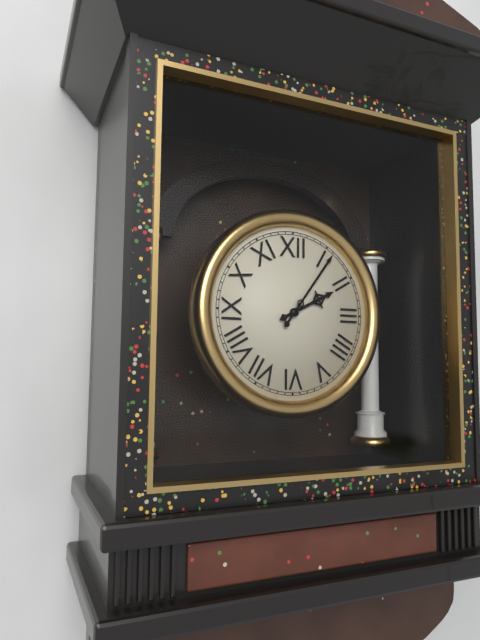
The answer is 2:06
